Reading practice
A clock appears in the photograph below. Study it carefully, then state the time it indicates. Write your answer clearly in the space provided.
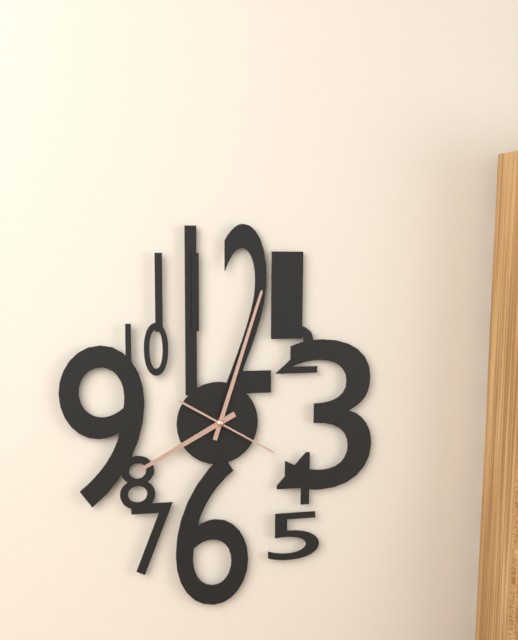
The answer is 8:03:20
